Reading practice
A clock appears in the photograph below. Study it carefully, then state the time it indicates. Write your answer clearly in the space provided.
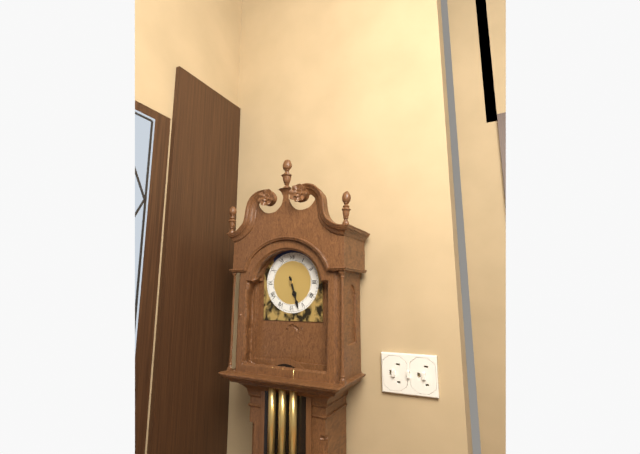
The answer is 5:27
